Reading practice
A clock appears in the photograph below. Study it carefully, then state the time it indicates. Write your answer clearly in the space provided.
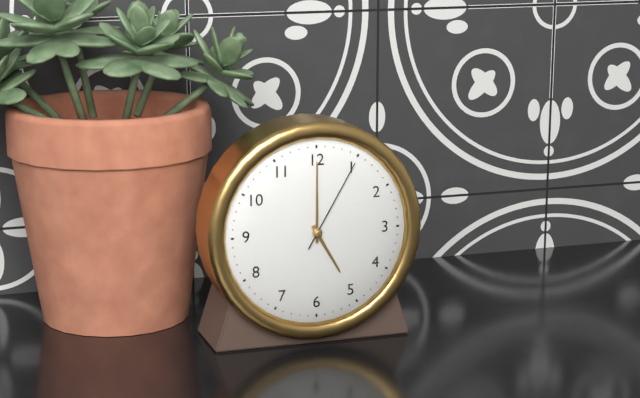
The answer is 5:00:05
